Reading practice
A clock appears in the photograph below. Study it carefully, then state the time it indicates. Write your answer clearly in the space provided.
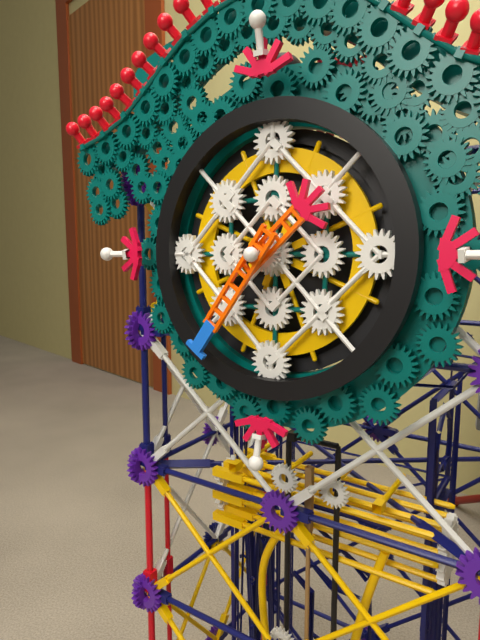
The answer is 1:36
